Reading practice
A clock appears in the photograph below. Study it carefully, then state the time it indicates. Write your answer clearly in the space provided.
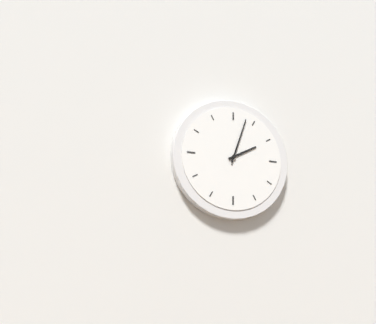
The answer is 2:03
